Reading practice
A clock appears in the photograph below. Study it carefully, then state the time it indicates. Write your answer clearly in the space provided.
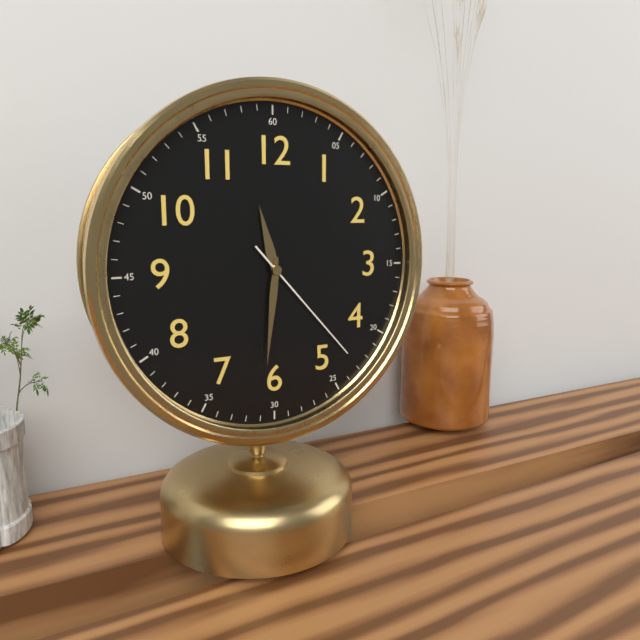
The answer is 11:31:23
